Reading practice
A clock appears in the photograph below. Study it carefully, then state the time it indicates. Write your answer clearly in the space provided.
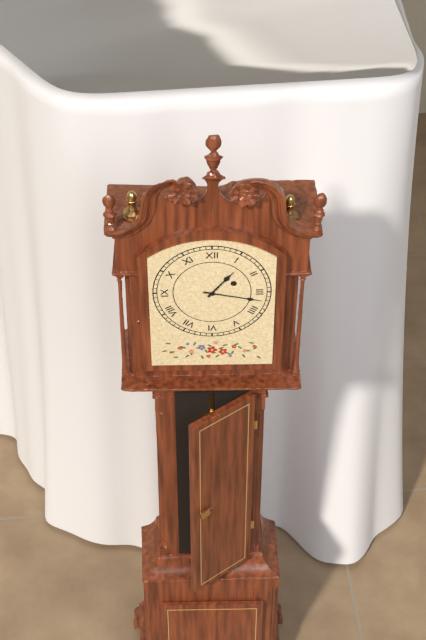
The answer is 1:17
